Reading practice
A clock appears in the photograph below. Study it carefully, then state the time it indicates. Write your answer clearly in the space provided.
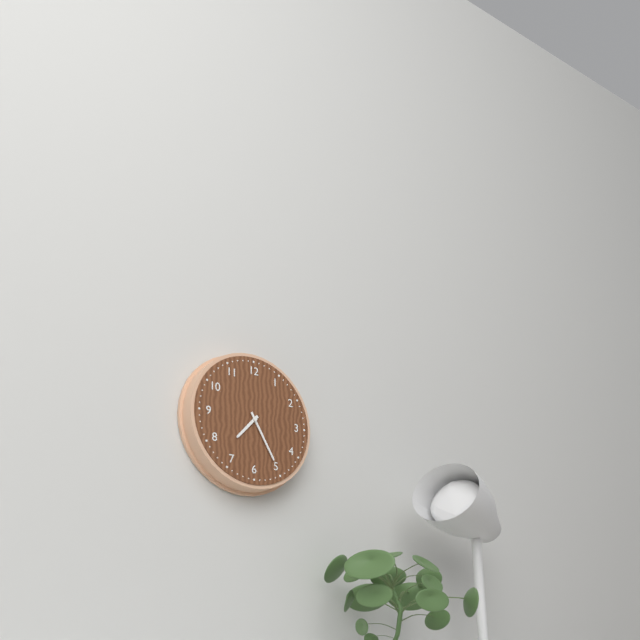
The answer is 7:25
